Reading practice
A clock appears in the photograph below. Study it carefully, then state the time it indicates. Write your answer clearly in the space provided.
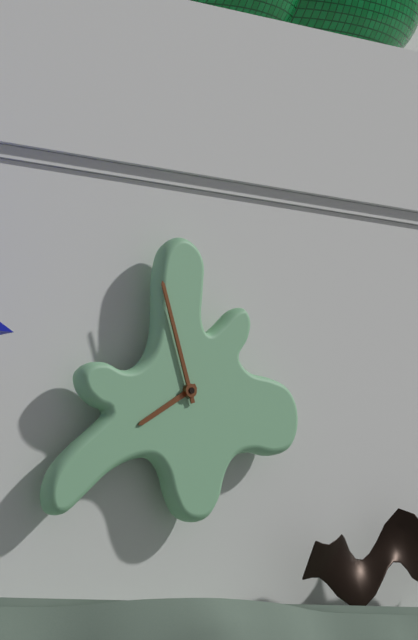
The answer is 7:57
